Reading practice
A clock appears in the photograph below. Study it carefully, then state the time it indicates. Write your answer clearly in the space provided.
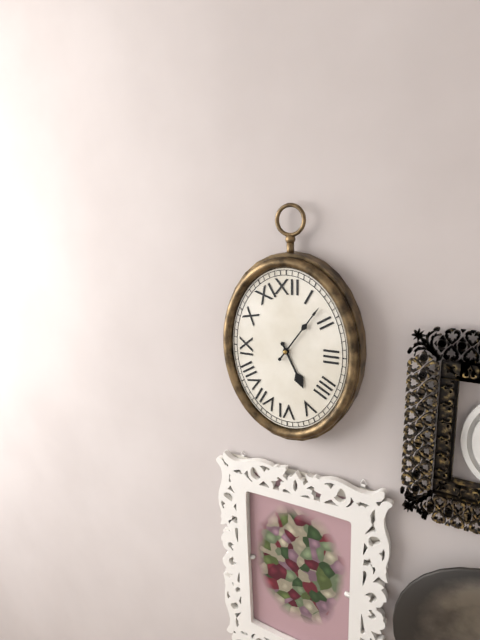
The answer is 5:06
